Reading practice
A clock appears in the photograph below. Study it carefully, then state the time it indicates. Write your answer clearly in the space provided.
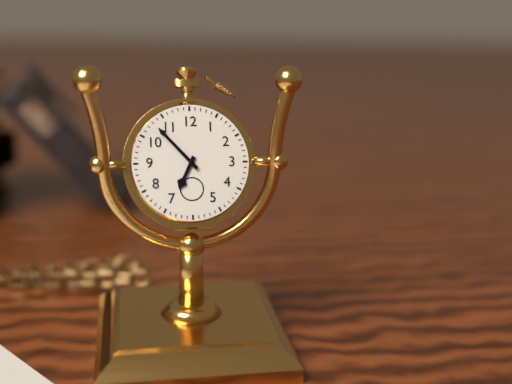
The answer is 6:53
